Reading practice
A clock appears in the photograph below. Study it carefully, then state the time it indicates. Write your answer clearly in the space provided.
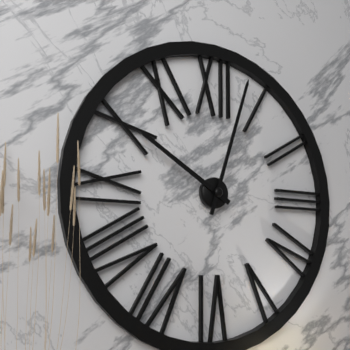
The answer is 10:03
